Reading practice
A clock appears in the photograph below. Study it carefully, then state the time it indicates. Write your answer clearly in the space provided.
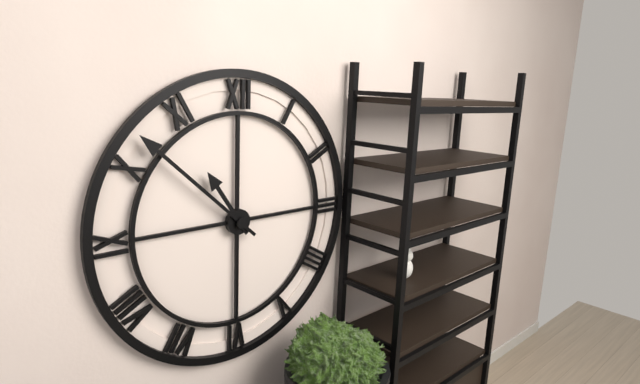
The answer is 10:52
